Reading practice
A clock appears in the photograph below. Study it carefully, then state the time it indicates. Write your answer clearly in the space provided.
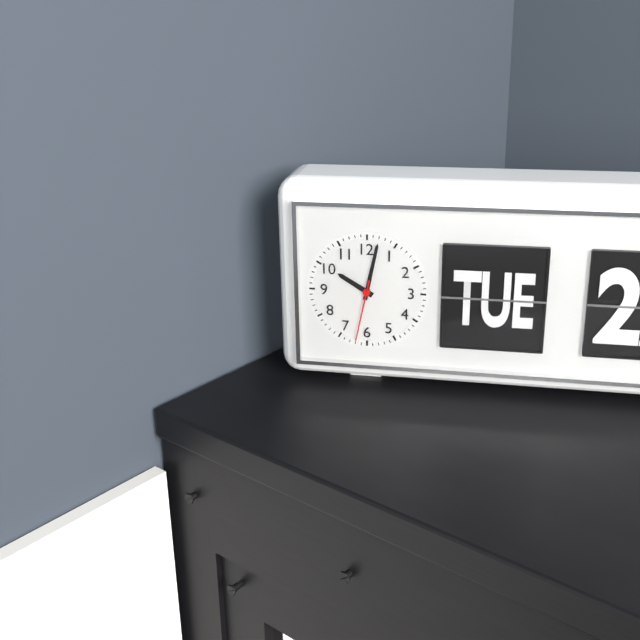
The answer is 10:02:32
